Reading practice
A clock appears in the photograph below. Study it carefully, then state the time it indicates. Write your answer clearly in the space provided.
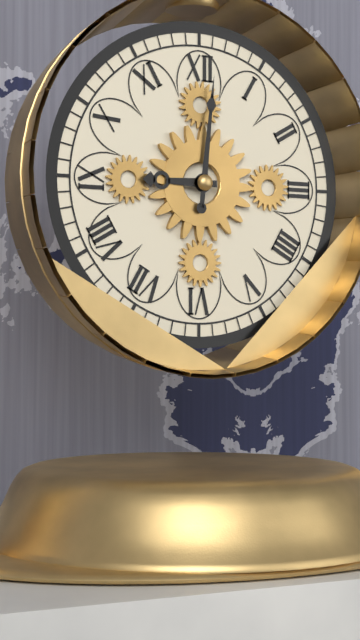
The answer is 9:01
